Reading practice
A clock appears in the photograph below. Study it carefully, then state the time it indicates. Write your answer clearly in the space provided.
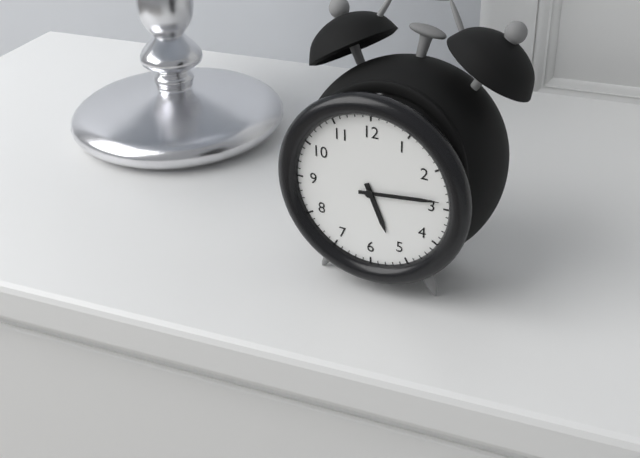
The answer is 5:14
